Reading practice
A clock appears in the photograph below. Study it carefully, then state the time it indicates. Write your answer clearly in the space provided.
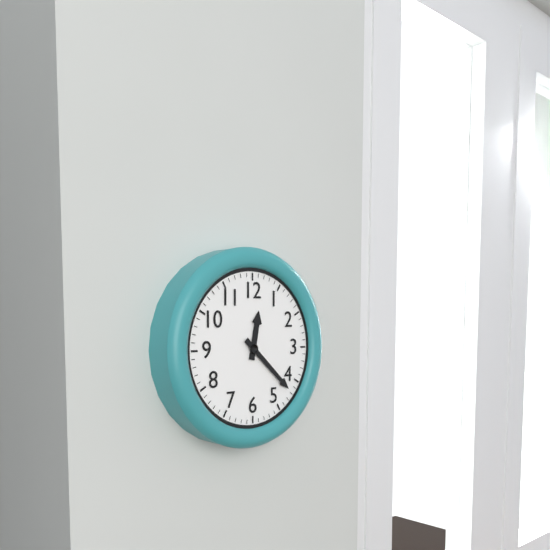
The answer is 12:22
